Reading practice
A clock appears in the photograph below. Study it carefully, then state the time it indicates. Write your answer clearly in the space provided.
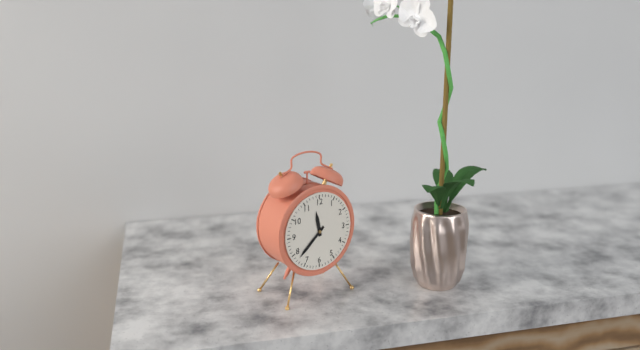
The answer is 11:38
